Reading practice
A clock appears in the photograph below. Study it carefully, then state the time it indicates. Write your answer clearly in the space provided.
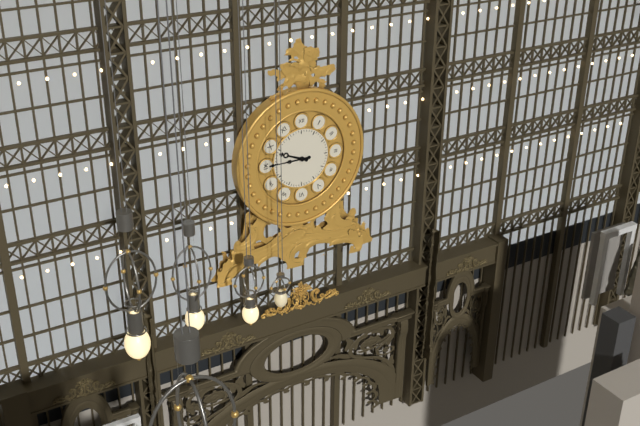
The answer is 9:45
